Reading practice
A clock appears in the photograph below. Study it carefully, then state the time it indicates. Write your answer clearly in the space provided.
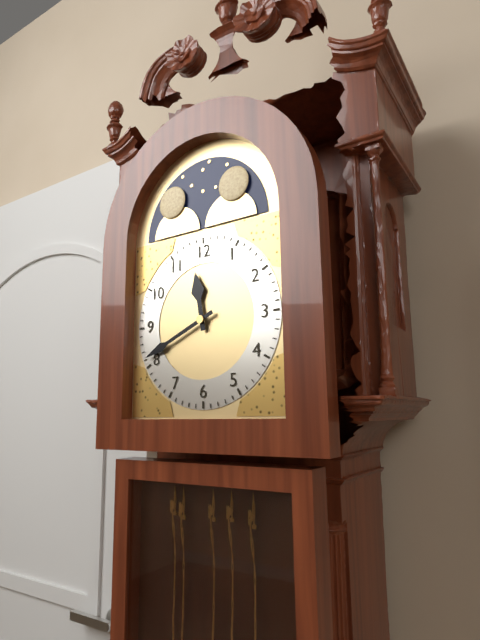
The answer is 11:41
